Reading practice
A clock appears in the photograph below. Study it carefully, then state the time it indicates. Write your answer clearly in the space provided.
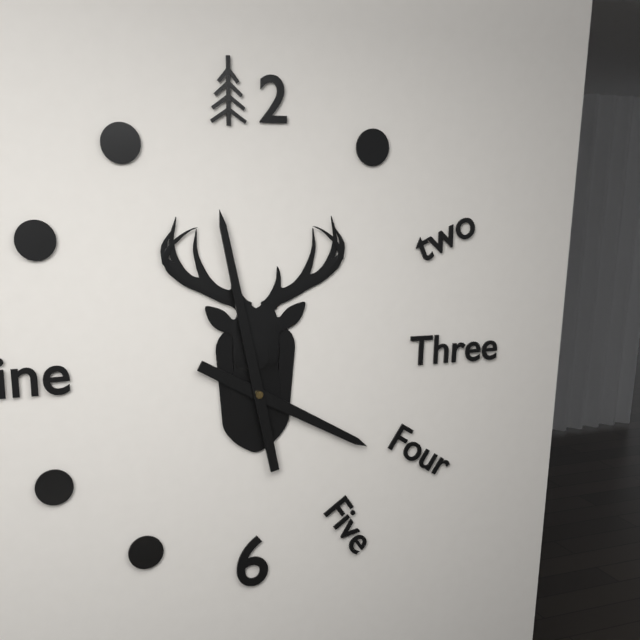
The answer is 3:58
